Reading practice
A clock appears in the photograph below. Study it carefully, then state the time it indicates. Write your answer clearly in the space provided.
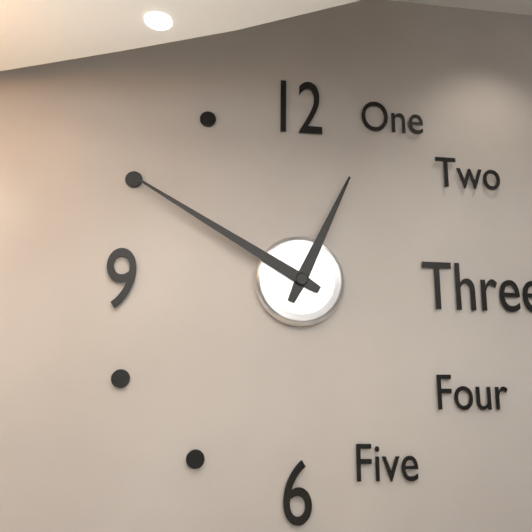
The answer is 12:50
